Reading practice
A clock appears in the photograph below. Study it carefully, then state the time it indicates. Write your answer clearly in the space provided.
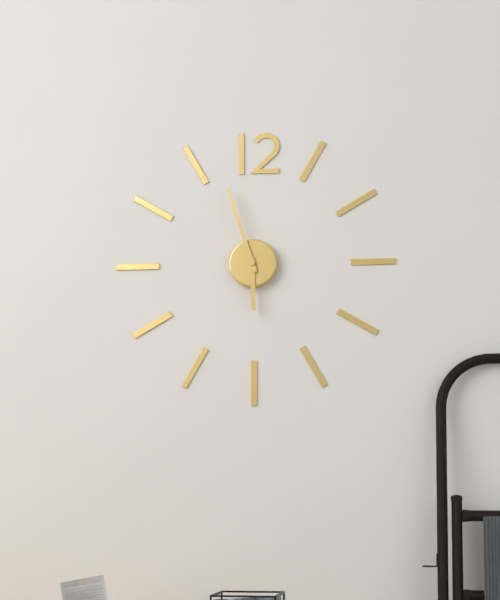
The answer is 5:57
